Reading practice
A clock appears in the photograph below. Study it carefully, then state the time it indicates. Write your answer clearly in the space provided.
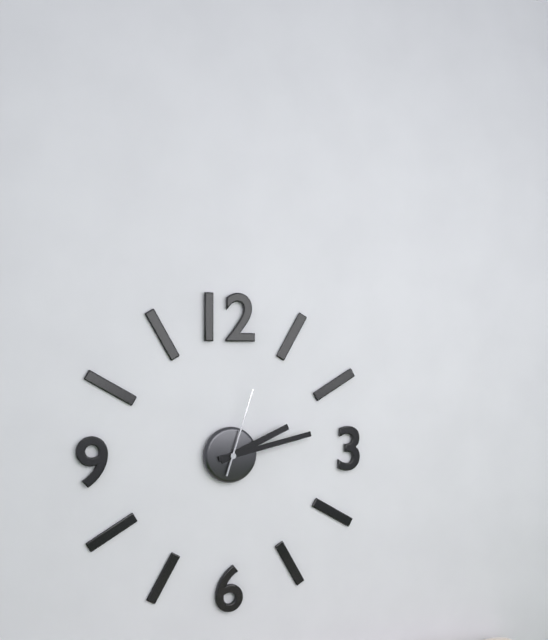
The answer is 2:13:03
